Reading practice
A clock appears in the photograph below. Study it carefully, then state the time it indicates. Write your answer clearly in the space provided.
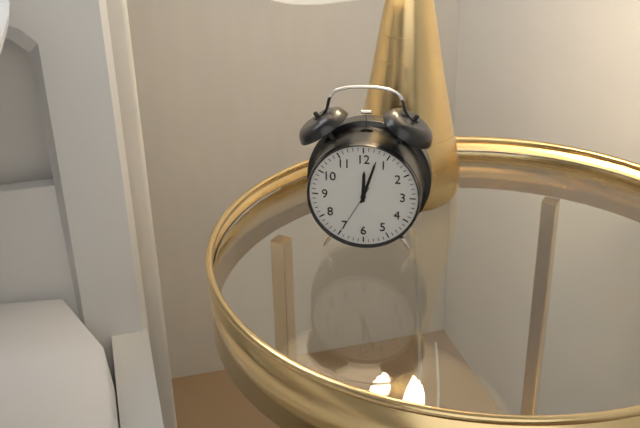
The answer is 12:03:35
